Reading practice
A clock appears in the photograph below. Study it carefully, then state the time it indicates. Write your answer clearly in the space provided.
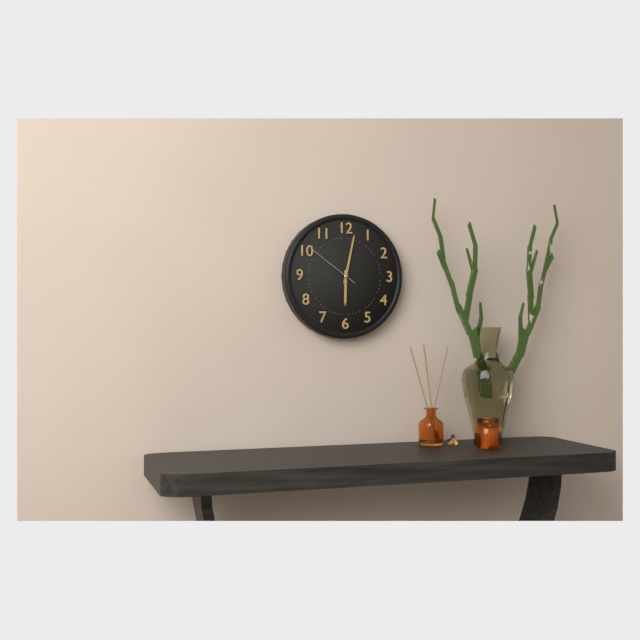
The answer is 6:02:51
